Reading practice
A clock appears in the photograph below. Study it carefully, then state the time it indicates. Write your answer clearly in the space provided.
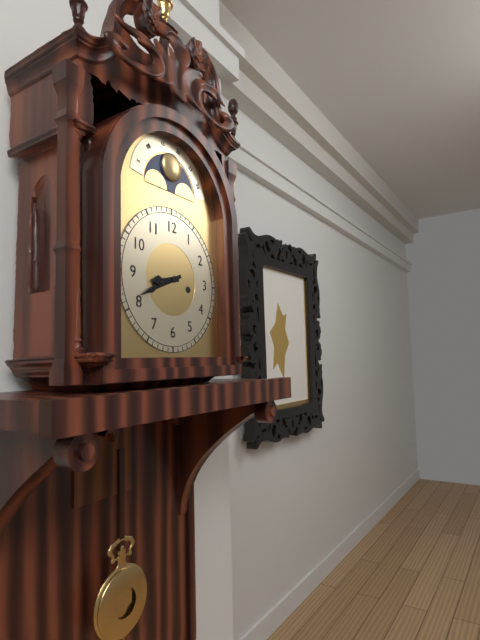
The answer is 8:41
